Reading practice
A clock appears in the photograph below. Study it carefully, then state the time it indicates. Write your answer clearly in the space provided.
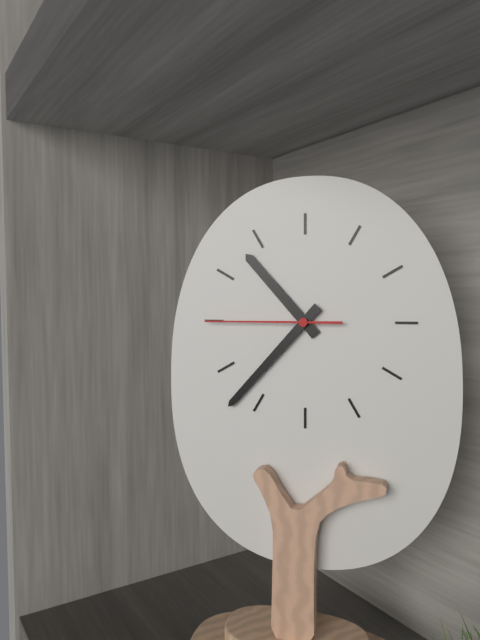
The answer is 10:37:45
